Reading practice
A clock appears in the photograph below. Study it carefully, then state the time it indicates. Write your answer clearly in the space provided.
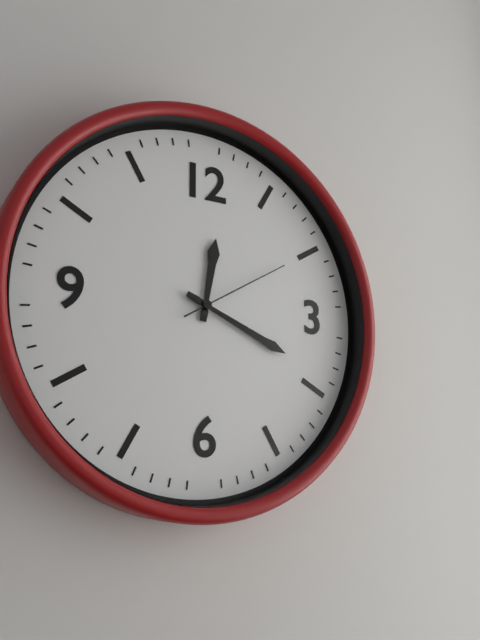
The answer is 12:19:10
